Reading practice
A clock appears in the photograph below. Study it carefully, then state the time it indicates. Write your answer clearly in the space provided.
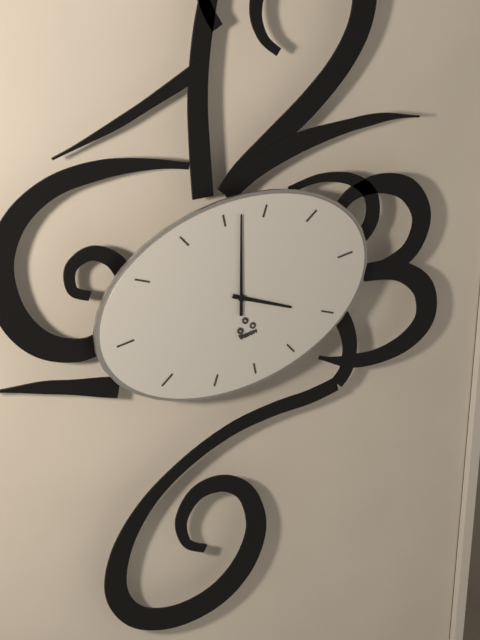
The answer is 4:02
